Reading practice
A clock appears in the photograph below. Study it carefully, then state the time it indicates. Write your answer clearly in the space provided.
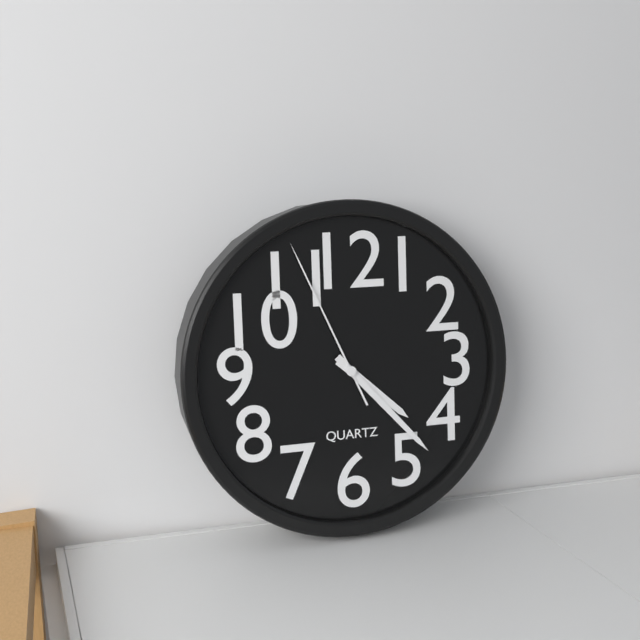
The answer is 4:23:56
